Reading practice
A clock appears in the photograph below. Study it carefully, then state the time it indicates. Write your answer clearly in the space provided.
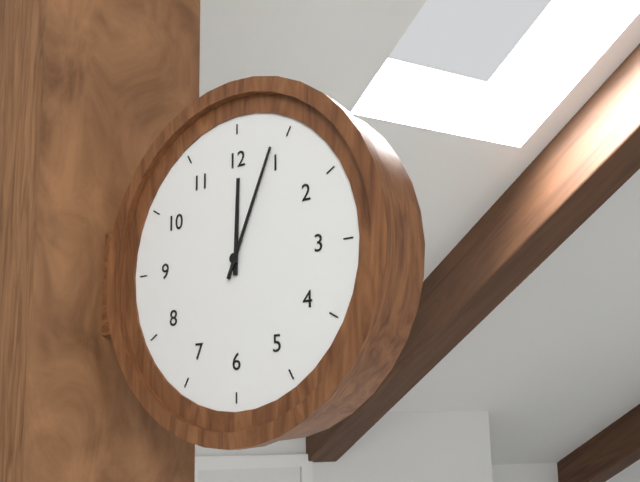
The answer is 12:04
